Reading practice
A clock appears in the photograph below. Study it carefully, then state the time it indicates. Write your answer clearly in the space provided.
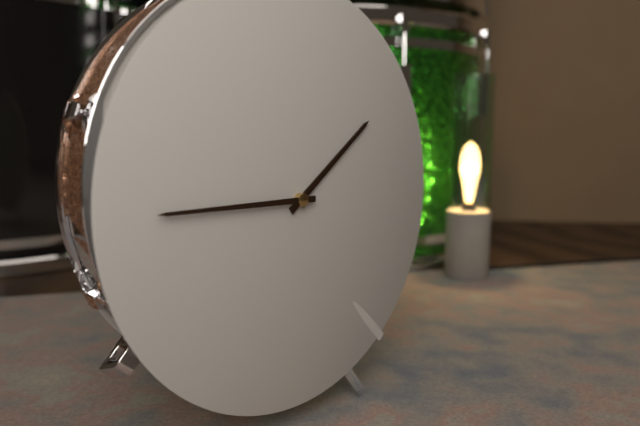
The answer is 1:45
